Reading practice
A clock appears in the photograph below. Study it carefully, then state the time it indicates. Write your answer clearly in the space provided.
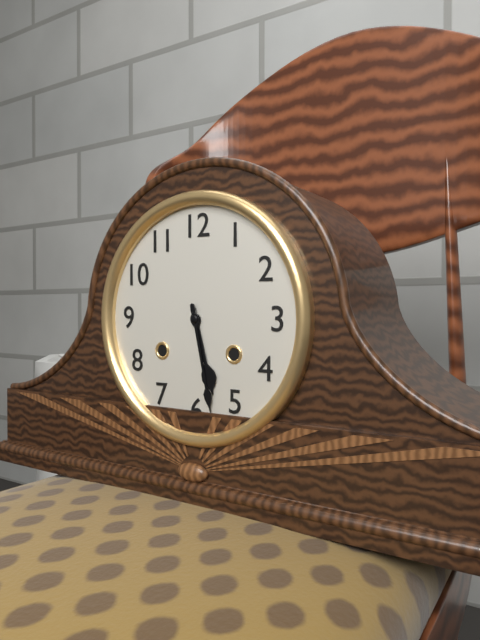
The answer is 5:28
